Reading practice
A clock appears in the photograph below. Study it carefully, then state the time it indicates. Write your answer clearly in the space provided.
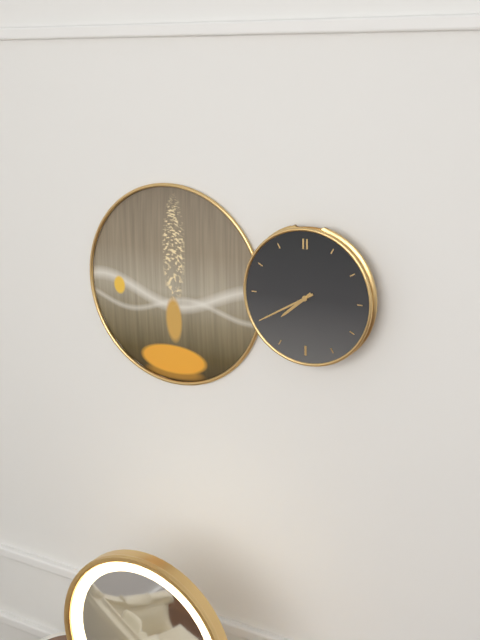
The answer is 7:40
